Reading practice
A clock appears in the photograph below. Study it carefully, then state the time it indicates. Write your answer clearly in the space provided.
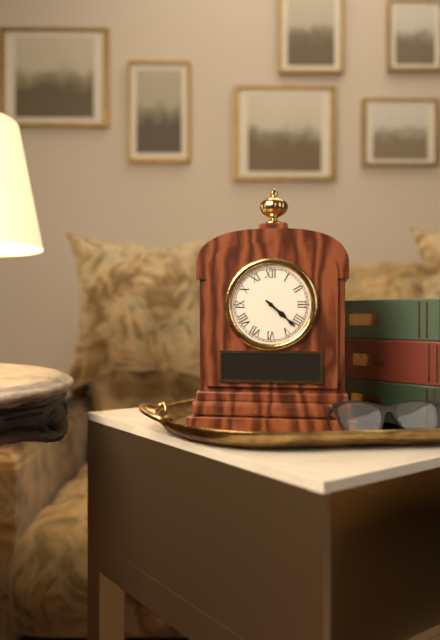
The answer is 4:22
